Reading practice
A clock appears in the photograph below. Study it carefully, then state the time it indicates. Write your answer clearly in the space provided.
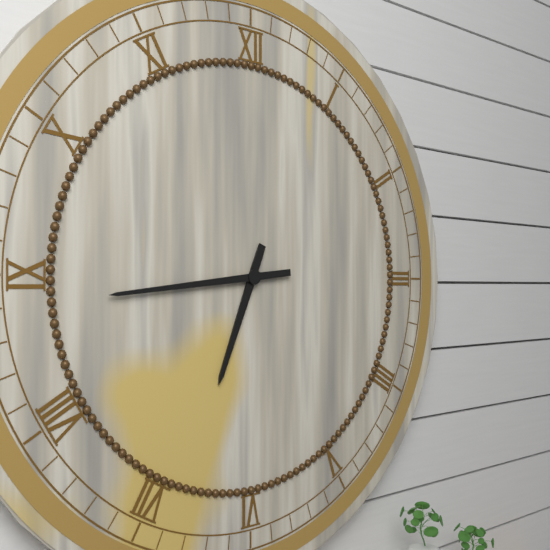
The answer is 6:44
